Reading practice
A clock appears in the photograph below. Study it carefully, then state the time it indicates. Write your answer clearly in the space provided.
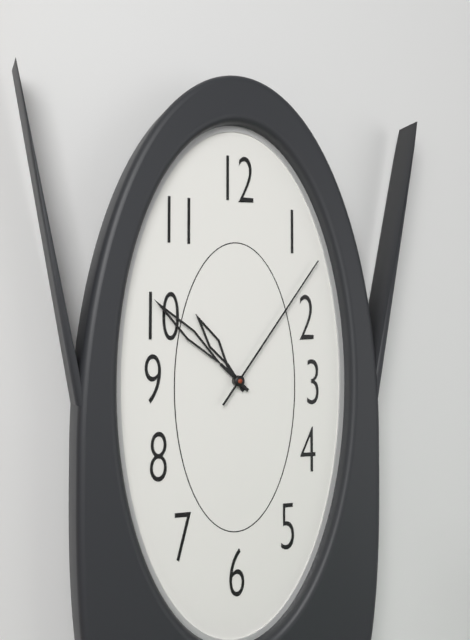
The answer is 10:52:06
